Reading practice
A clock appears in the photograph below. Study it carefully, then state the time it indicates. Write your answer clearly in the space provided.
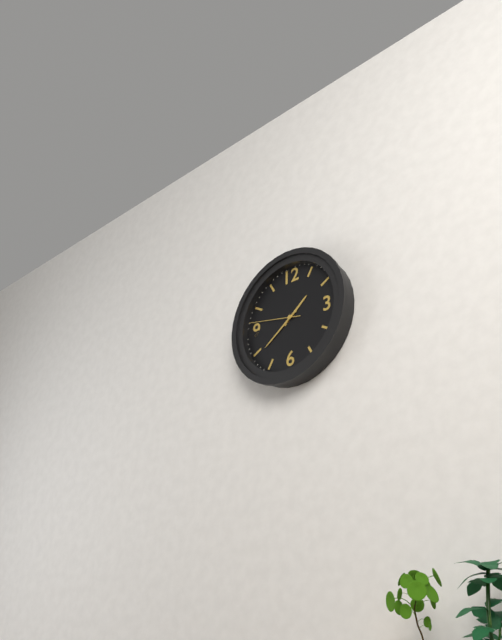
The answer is 1:39:47
